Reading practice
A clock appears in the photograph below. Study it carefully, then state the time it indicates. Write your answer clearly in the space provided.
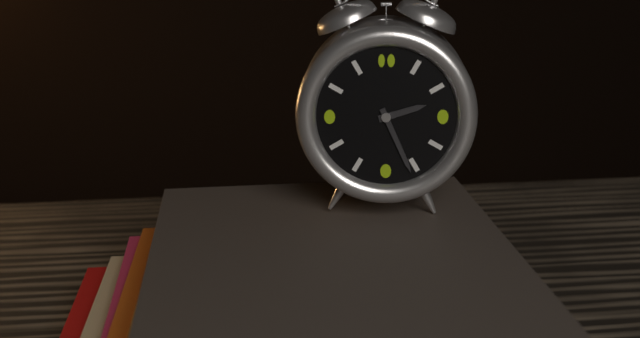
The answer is 2:26
